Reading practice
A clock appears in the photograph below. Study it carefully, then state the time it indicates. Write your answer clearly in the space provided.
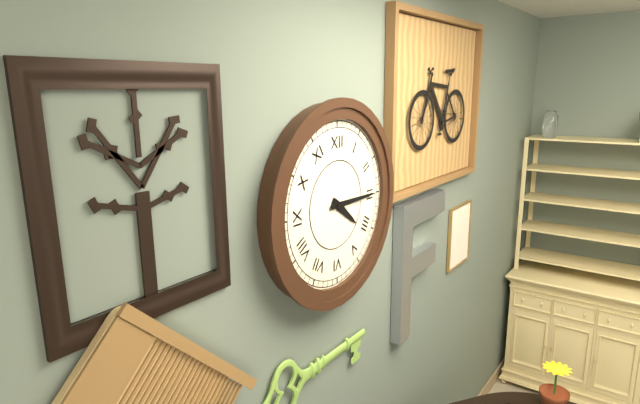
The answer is 4:15
